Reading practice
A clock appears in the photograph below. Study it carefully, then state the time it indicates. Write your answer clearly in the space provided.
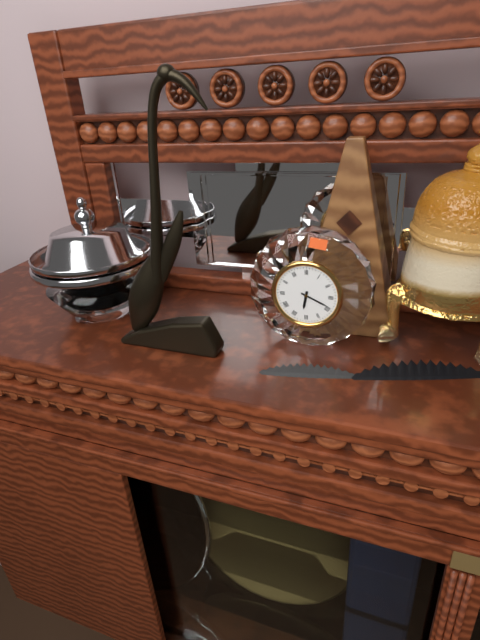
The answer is 6:19
